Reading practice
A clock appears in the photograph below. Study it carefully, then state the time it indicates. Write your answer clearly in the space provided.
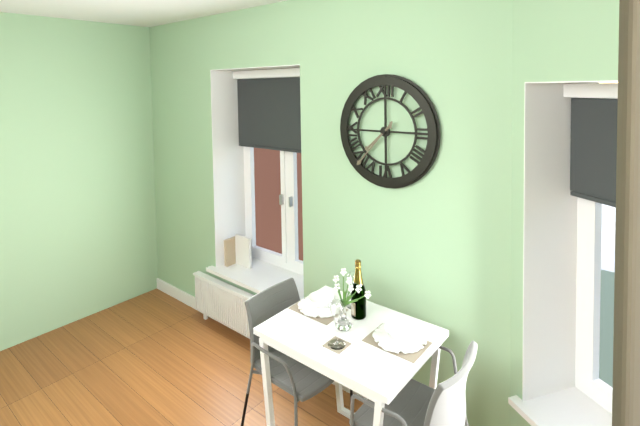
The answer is 7:37
